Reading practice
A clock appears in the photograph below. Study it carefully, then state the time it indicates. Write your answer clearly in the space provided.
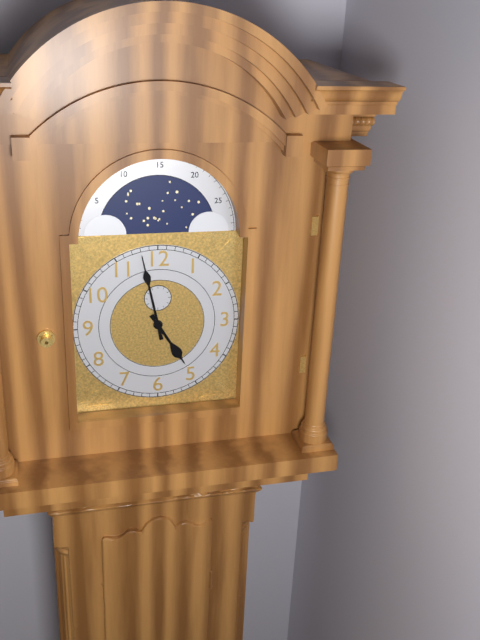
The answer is 4:58
